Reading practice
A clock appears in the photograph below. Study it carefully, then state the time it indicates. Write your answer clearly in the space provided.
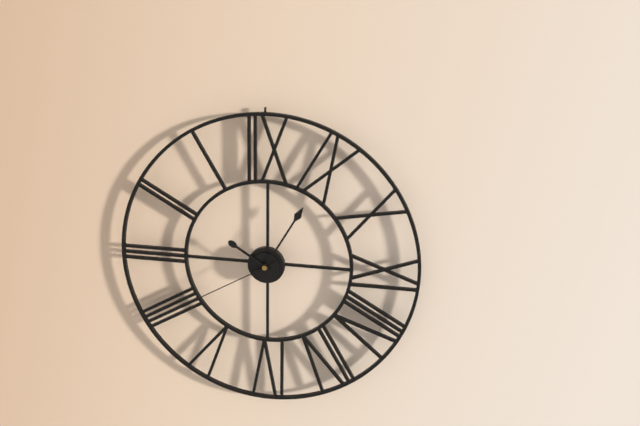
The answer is 10:05:40
